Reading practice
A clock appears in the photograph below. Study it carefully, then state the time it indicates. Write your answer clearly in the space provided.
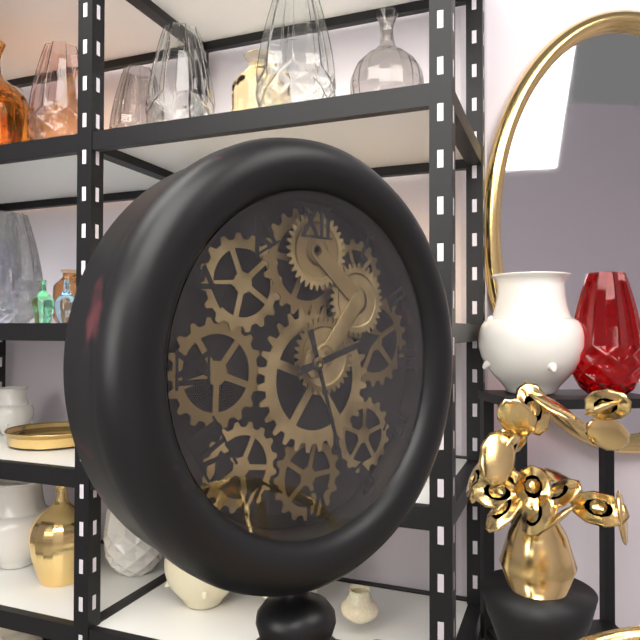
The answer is 2:27
